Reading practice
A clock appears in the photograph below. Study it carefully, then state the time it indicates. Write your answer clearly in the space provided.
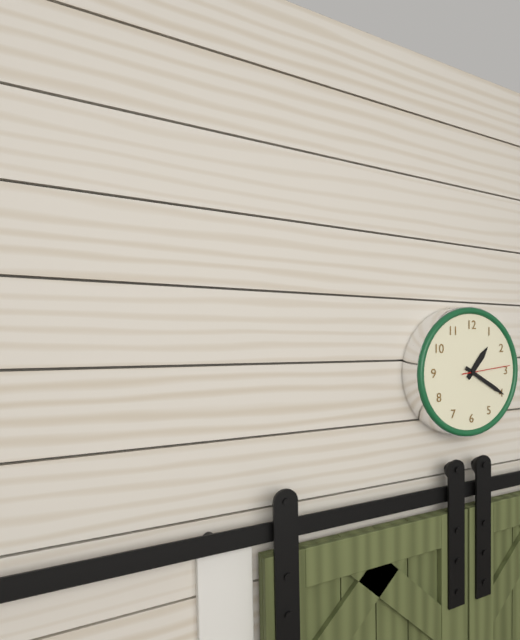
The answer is 1:20
